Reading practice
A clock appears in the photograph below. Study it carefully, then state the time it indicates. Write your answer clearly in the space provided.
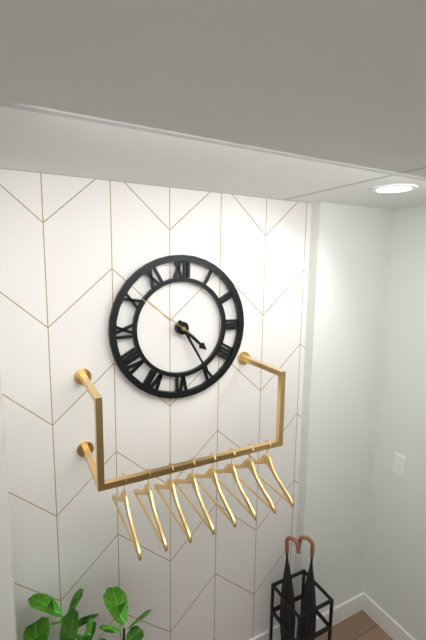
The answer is 4:25:51
